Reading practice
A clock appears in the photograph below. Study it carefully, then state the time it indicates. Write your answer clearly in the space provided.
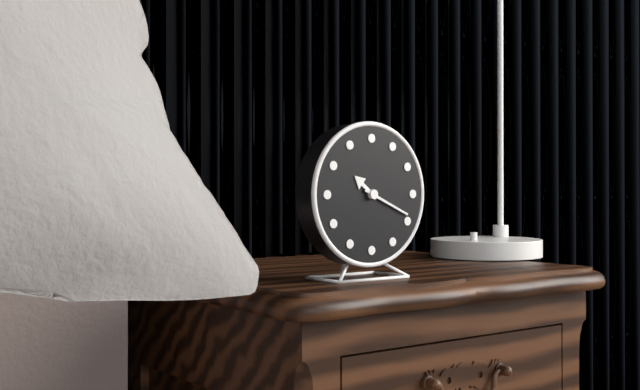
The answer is 10:19
